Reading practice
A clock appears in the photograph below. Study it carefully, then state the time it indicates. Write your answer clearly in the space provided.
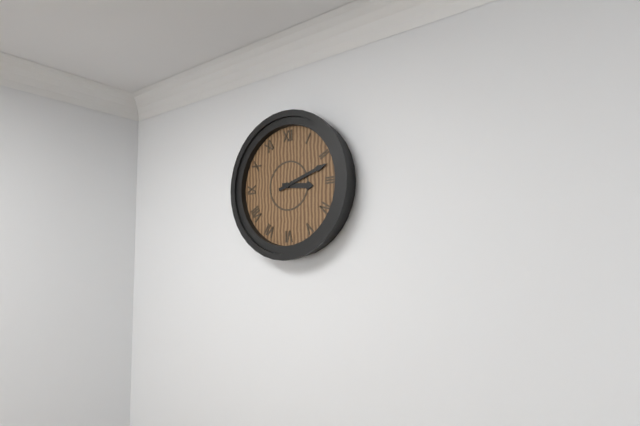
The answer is 3:12
